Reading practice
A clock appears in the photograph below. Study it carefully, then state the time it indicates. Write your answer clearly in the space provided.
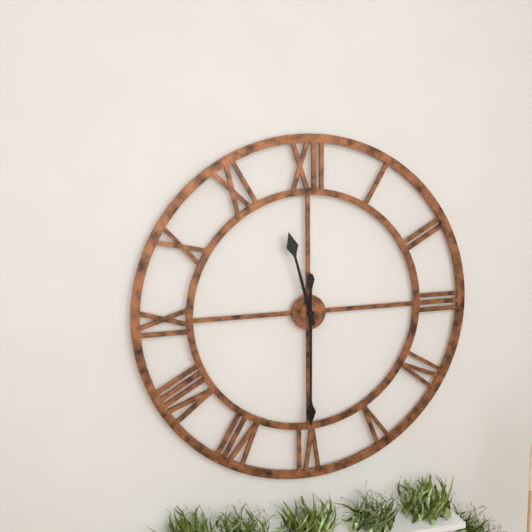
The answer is 11:30
